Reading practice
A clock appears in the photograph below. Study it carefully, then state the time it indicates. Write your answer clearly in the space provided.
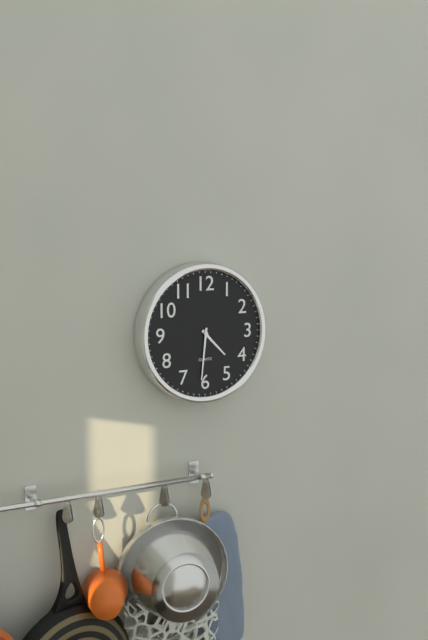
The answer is 4:31
